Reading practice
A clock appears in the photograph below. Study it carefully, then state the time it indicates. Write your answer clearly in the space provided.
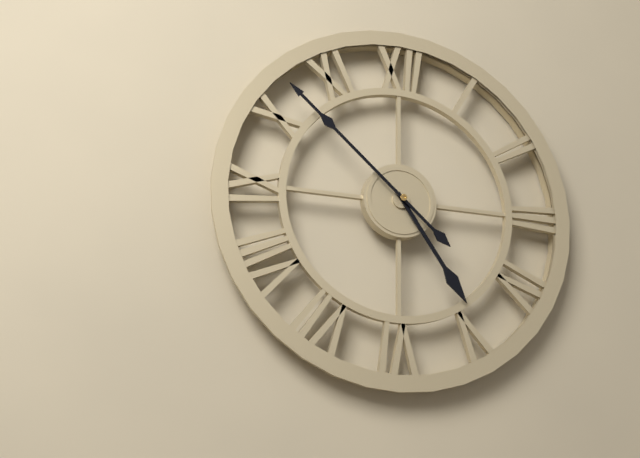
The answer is 4:52
